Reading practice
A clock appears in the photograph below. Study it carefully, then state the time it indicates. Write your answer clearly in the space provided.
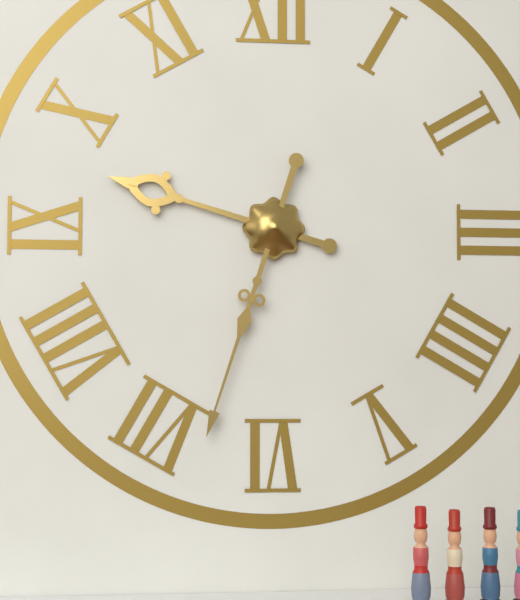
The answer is 9:33
